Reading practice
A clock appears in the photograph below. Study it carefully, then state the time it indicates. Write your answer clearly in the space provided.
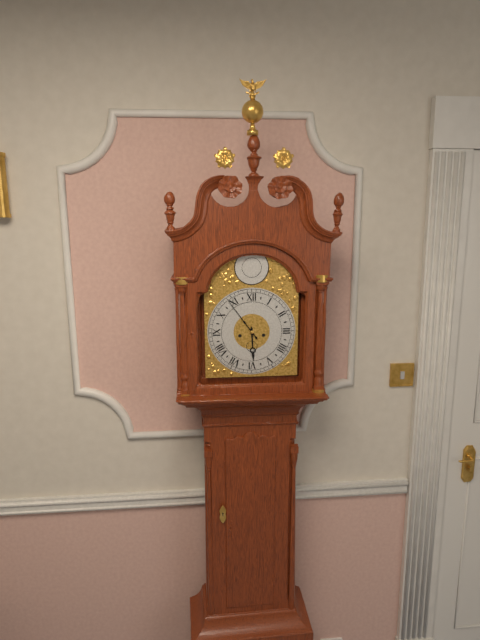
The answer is 5:54
